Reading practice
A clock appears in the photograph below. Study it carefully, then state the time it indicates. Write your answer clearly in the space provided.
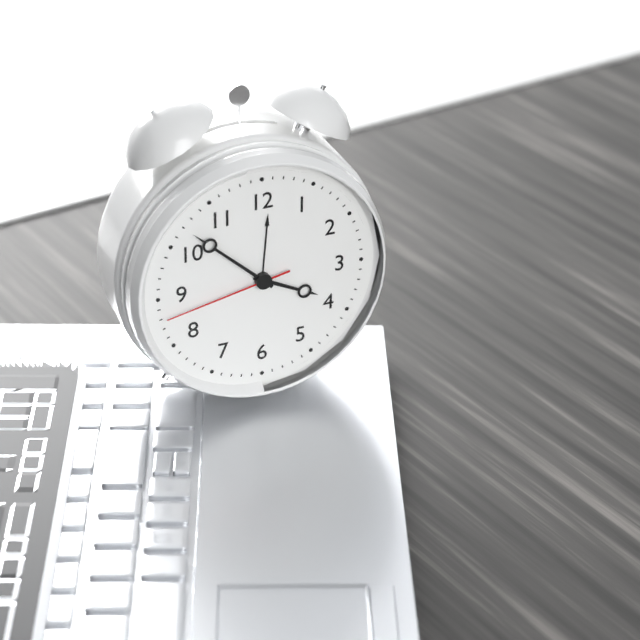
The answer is 3:52:43
